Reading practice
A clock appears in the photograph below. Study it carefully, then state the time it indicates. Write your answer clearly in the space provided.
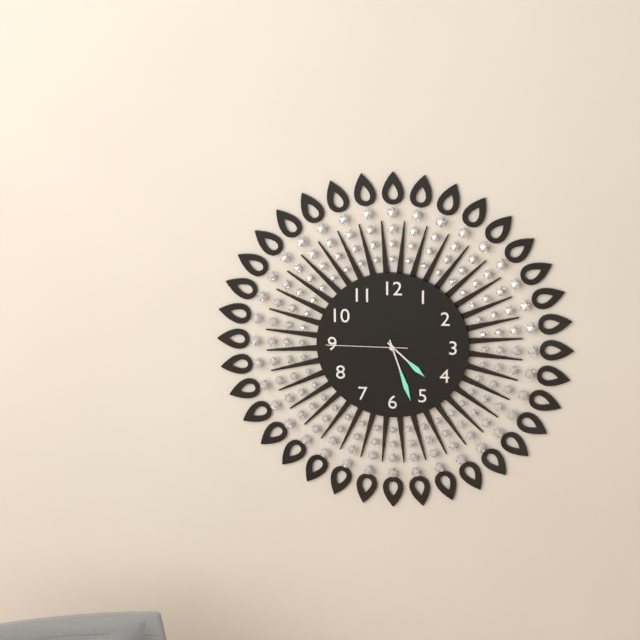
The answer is 4:27:45
